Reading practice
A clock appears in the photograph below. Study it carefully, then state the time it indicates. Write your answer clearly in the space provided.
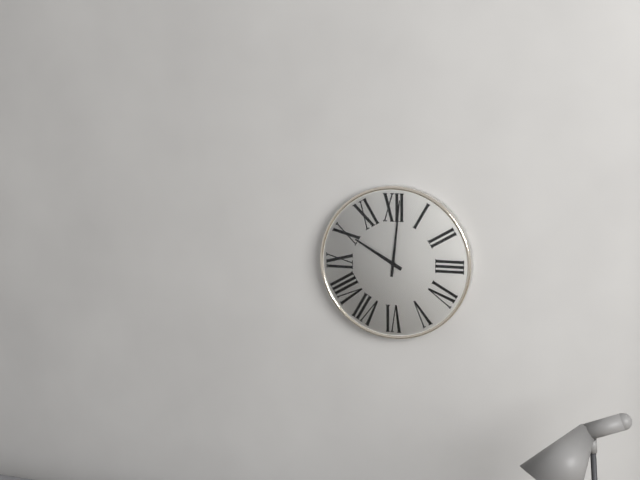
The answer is 10:01
